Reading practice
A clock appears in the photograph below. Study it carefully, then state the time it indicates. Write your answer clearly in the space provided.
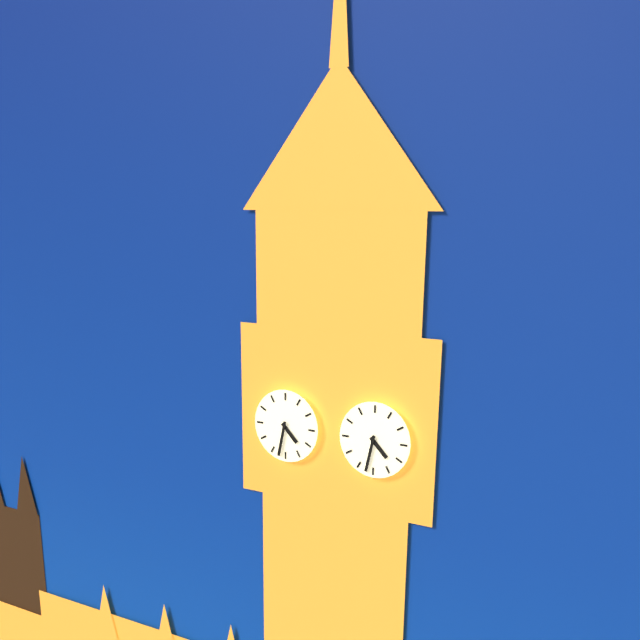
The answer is 4:32
